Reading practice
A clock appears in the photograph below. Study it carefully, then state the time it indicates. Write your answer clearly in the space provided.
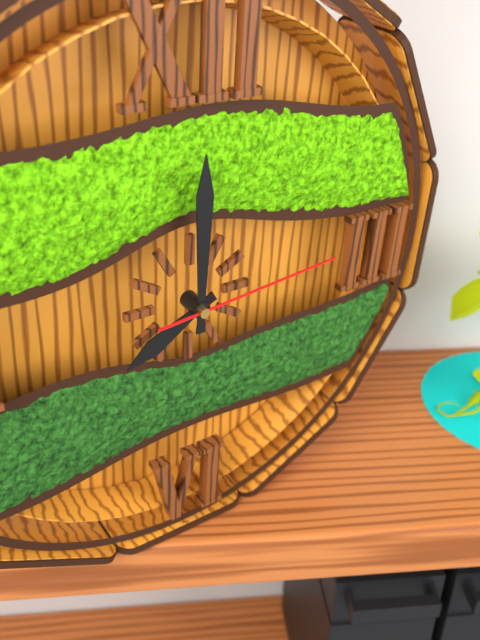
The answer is 8:00:14
